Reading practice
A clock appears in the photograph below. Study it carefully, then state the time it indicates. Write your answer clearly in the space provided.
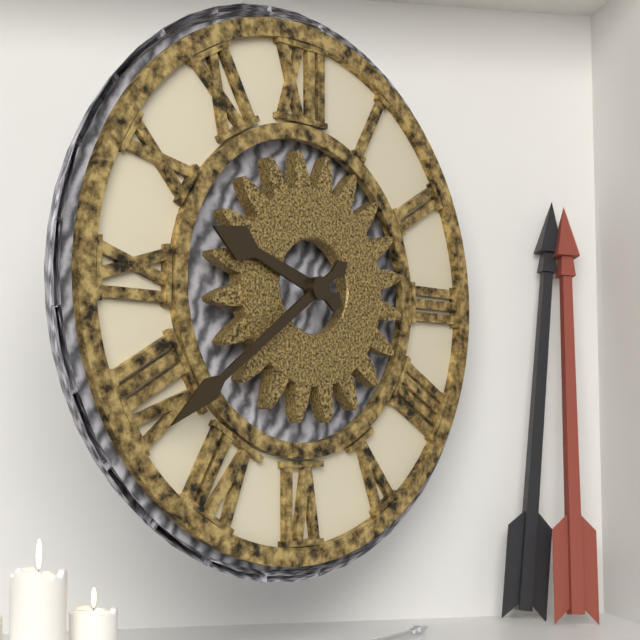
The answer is 9:39
